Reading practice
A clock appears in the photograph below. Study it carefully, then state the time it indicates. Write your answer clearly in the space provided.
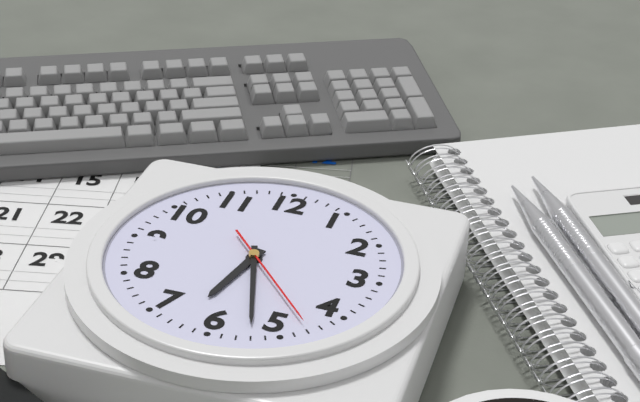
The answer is 6:27:23
